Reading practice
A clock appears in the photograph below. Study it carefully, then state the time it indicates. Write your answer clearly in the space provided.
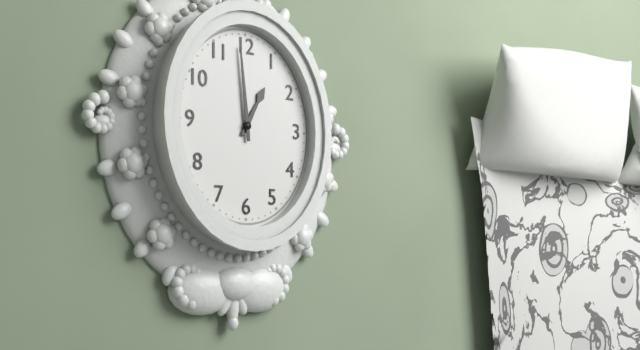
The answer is 12:59
